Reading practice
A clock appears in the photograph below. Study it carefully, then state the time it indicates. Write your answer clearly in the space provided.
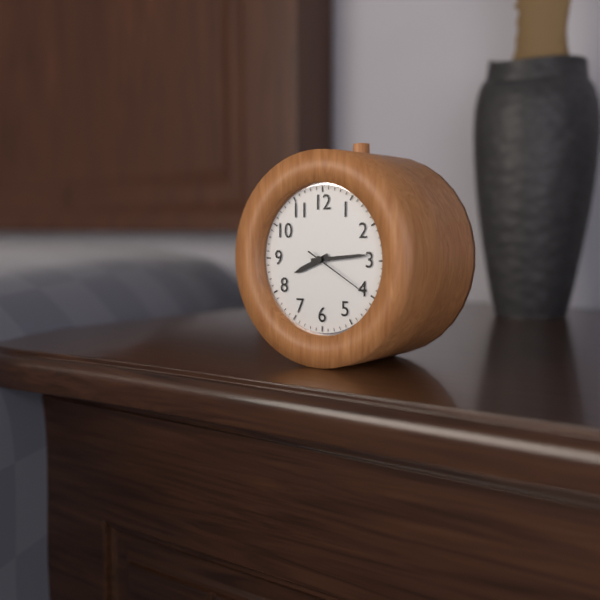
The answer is 8:14:20
